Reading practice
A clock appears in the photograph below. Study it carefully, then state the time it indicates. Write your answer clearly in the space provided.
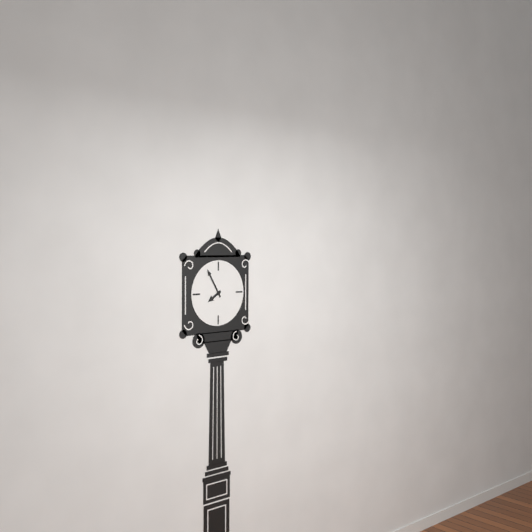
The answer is 7:55
